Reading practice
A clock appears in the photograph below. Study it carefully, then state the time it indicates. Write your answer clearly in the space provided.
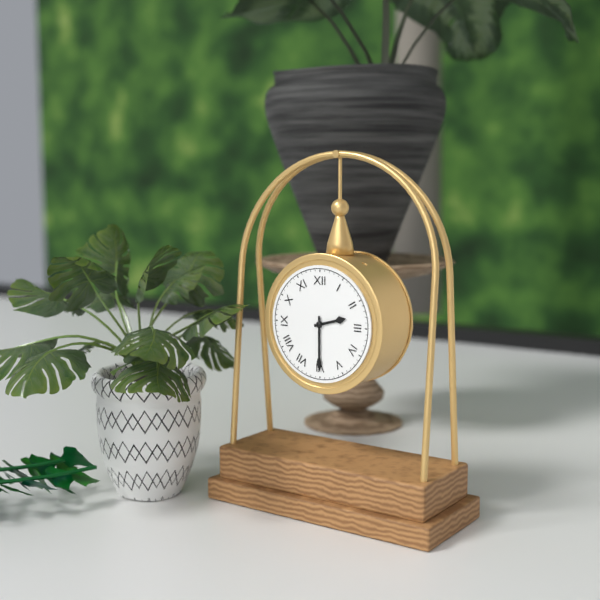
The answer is 2:30
